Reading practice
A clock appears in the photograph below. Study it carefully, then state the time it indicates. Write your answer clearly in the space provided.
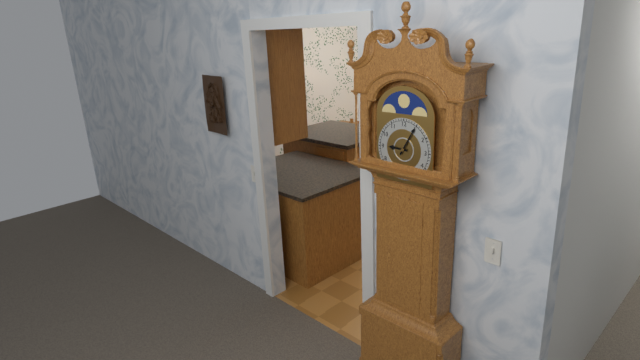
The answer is 9:05
